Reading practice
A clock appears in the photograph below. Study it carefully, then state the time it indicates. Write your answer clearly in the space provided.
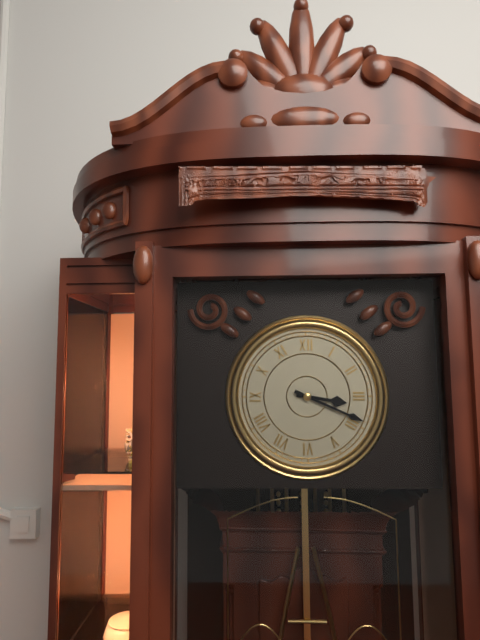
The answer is 3:19
